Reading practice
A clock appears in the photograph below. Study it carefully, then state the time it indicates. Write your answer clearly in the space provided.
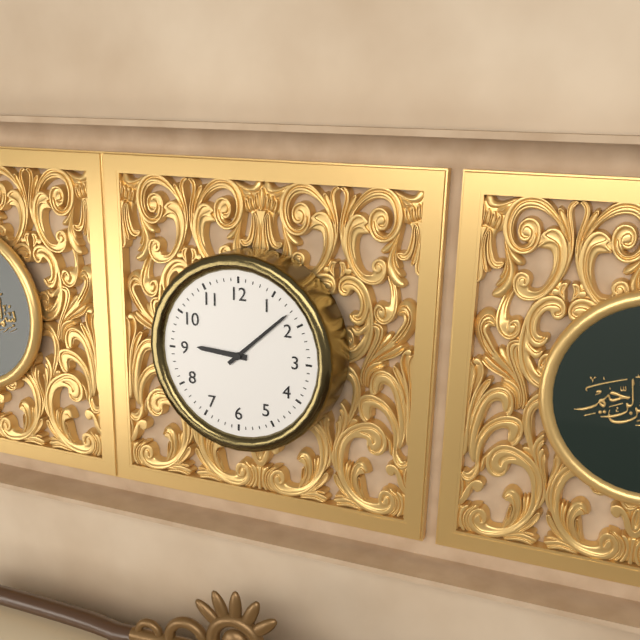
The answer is 9:08
